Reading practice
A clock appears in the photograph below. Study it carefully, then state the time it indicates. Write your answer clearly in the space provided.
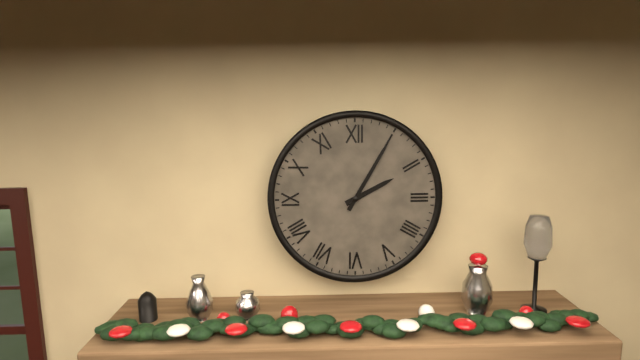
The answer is 2:05
